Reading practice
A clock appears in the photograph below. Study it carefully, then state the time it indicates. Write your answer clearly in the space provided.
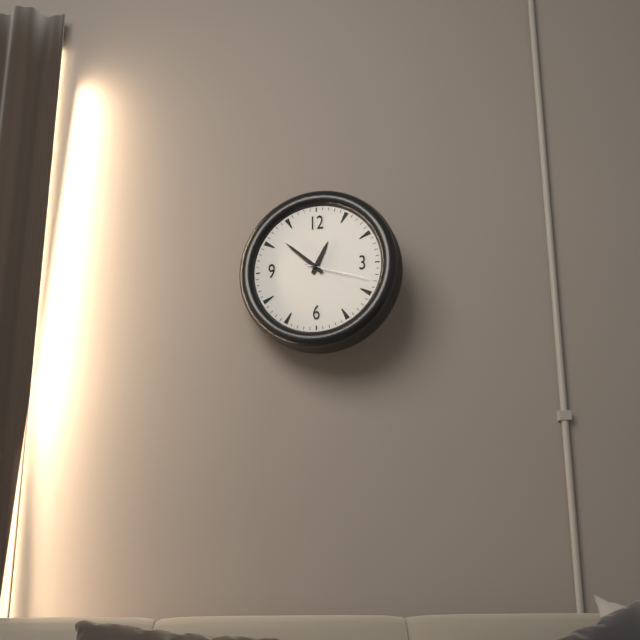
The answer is 12:52:18
